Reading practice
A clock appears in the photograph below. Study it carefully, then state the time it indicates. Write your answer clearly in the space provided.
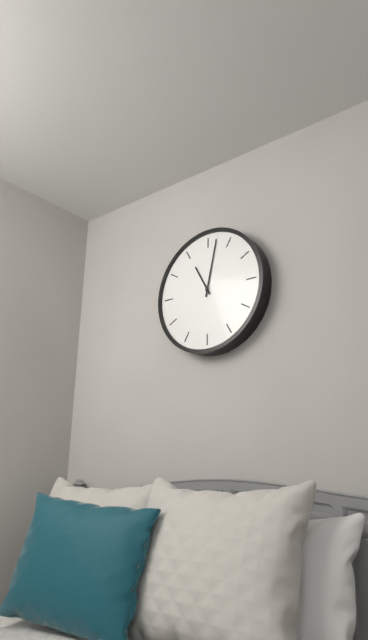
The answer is 11:02
